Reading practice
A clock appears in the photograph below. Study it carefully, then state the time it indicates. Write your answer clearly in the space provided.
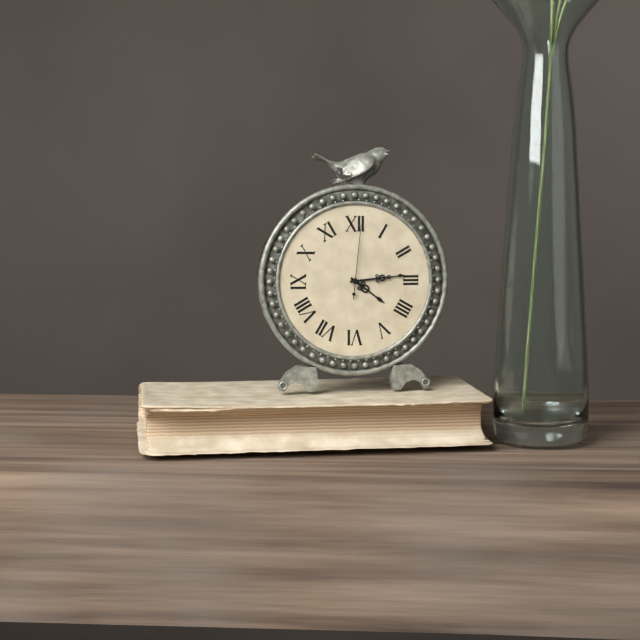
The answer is 4:14:01
